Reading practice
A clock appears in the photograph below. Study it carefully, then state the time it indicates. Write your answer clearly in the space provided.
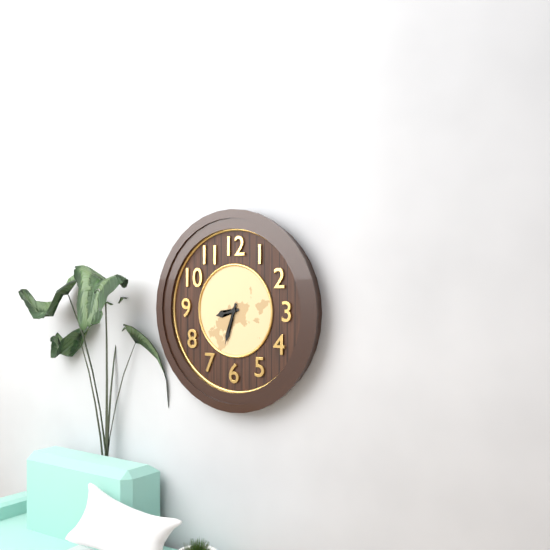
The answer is 8:33
